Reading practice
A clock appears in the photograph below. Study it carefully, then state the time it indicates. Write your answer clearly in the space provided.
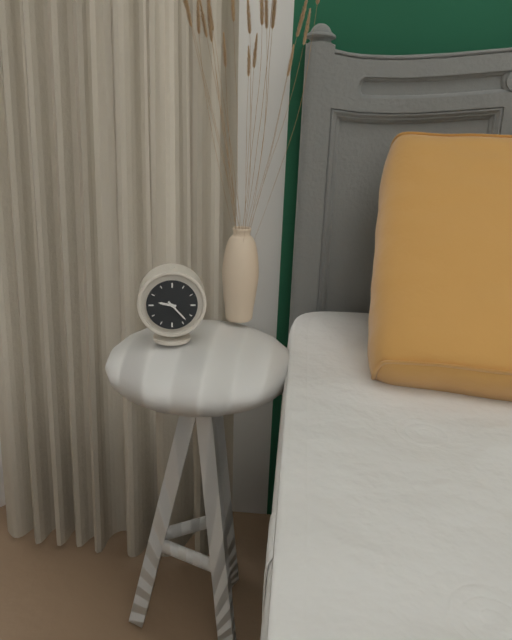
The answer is 9:23
